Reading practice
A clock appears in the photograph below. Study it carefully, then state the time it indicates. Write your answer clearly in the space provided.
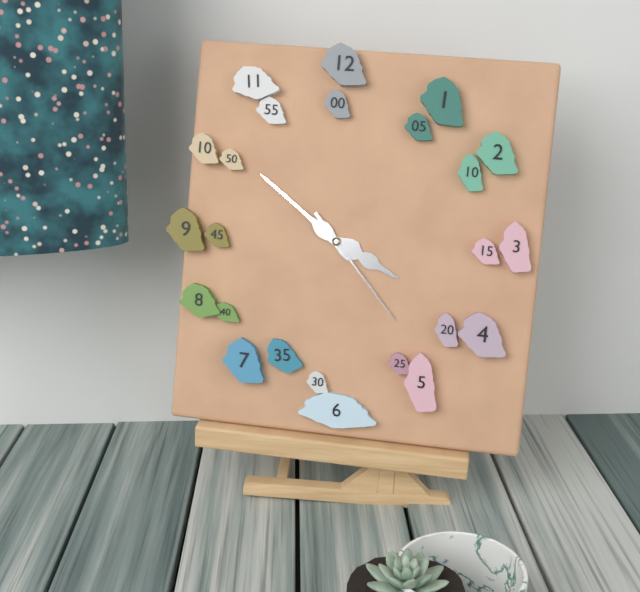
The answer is 3:51:23
